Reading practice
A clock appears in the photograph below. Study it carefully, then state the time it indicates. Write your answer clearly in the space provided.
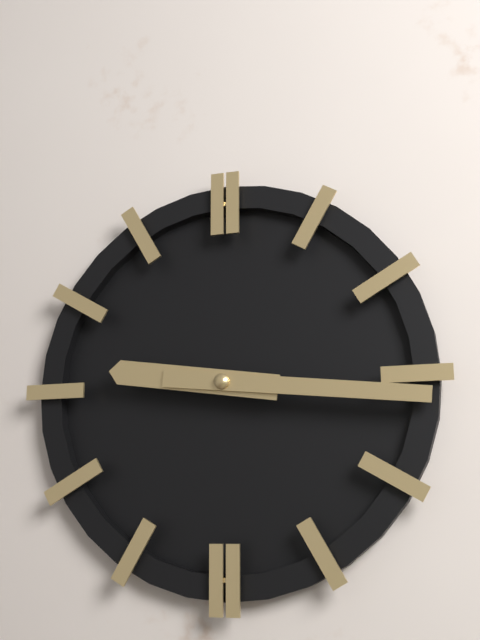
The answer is 9:16
